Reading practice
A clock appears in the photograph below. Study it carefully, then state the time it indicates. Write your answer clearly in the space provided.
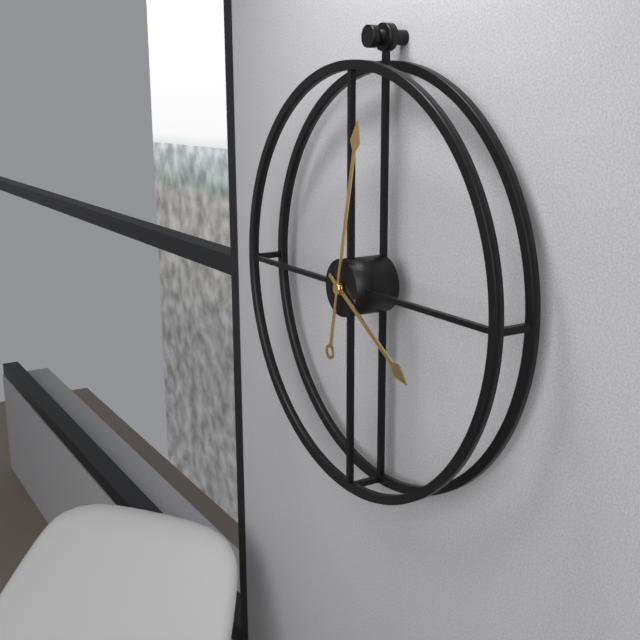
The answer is 4:02
